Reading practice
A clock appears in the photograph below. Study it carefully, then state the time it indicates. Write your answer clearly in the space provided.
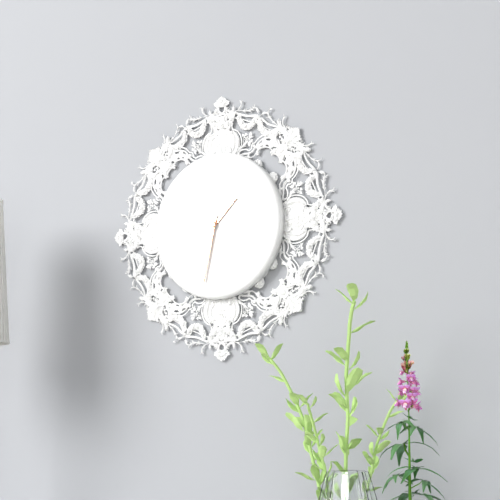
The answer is 1:32
